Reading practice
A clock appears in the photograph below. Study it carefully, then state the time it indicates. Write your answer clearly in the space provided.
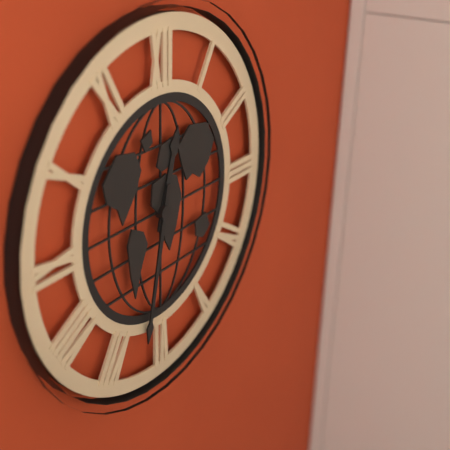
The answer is 12:32
